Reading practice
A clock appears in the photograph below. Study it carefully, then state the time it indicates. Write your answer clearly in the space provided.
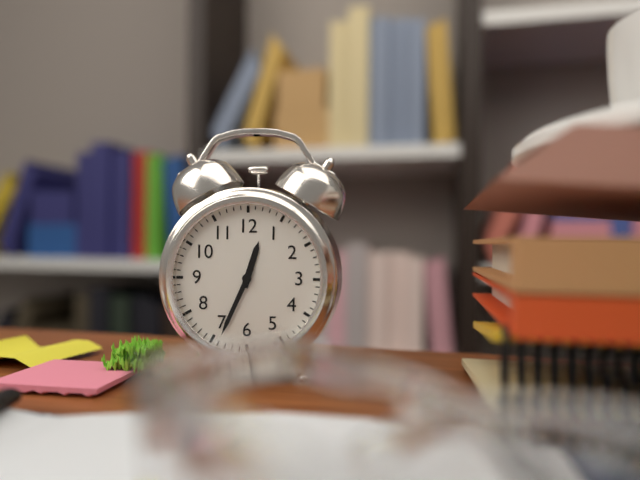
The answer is 12:34
